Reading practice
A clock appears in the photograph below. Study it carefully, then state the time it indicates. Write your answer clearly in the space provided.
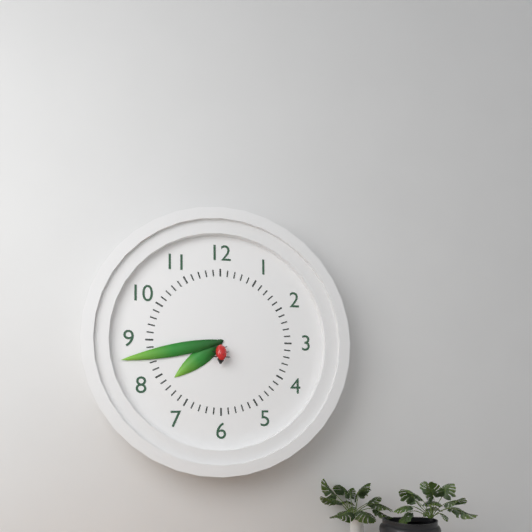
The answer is 7:43
